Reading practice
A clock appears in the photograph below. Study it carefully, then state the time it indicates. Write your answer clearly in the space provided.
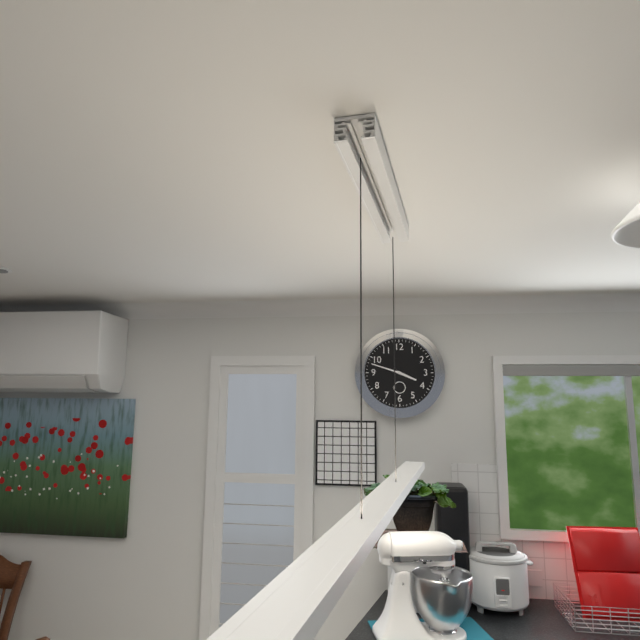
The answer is 3:48
